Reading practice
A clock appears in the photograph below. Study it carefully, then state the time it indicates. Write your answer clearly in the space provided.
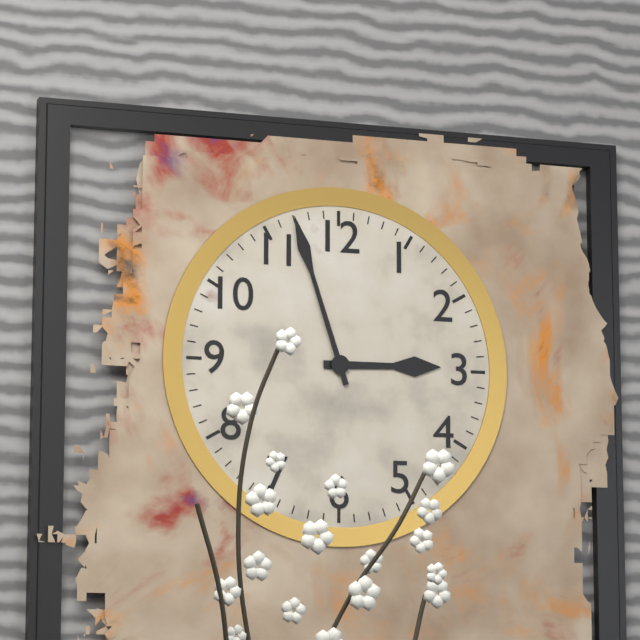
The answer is 2:57
